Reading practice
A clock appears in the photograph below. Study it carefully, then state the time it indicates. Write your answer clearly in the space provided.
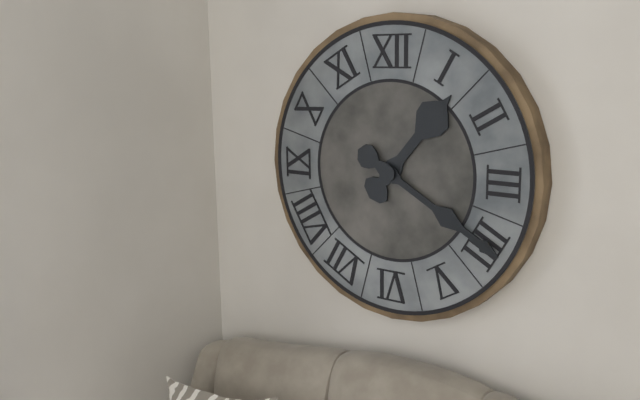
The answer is 1:20
